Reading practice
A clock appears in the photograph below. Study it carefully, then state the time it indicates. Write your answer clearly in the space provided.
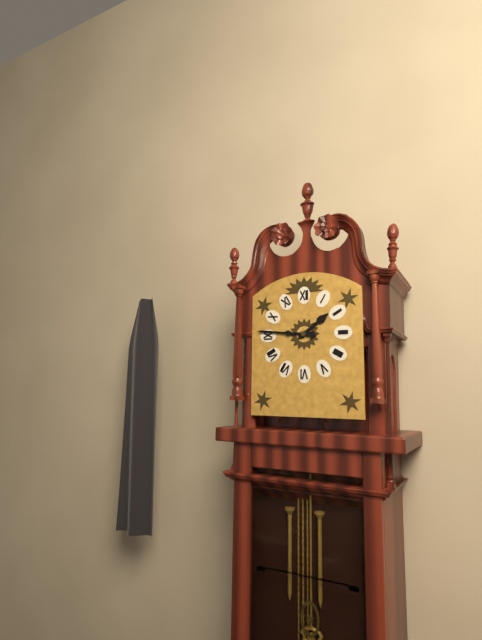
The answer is 1:46
